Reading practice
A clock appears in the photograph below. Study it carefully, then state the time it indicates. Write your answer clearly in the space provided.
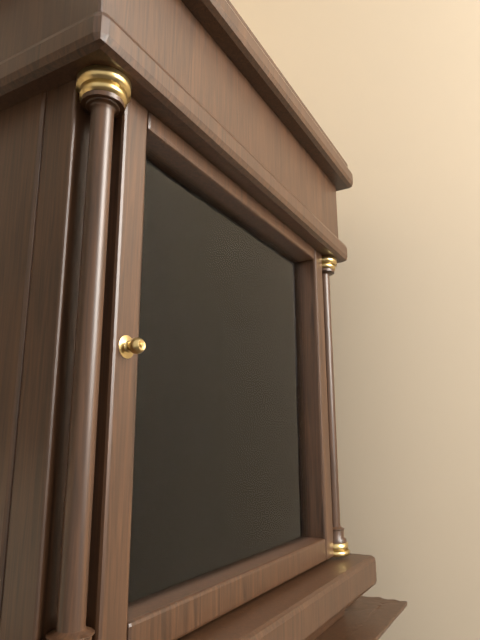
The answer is 4:10
